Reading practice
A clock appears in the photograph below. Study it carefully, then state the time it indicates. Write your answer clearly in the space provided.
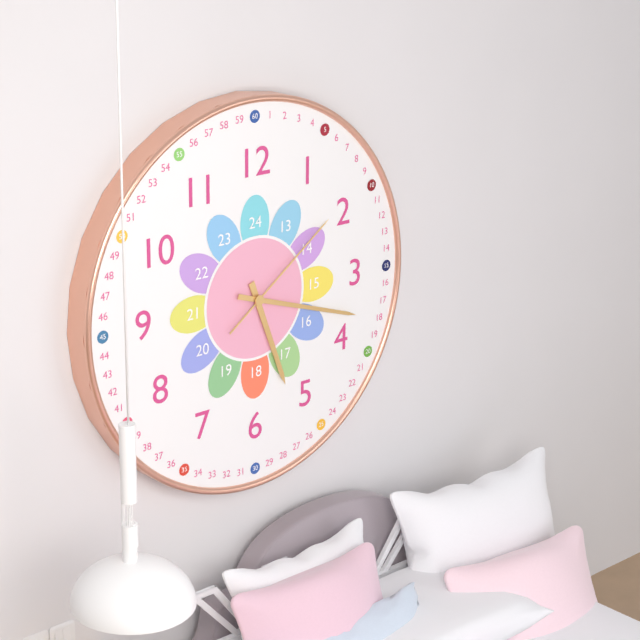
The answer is 5:18:09
